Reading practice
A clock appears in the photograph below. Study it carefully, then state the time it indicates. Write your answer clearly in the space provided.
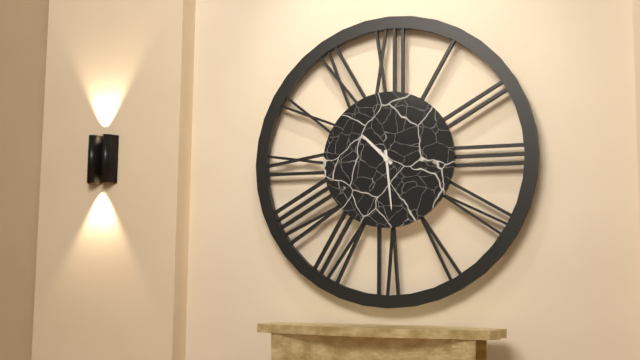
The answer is 10:29
